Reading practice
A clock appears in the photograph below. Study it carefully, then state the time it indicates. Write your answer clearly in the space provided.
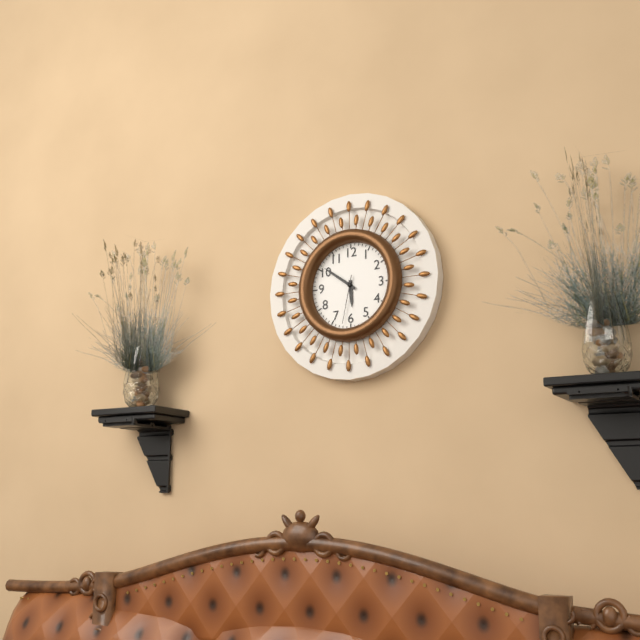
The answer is 5:51
